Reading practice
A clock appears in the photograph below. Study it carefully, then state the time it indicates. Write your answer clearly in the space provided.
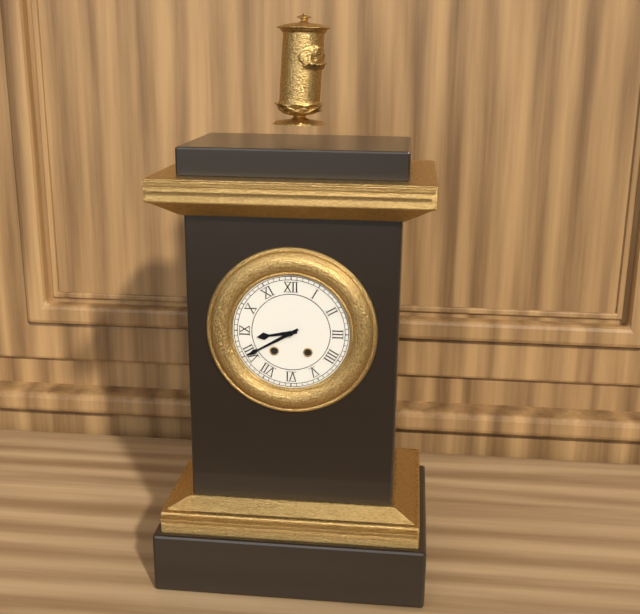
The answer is 8:40
